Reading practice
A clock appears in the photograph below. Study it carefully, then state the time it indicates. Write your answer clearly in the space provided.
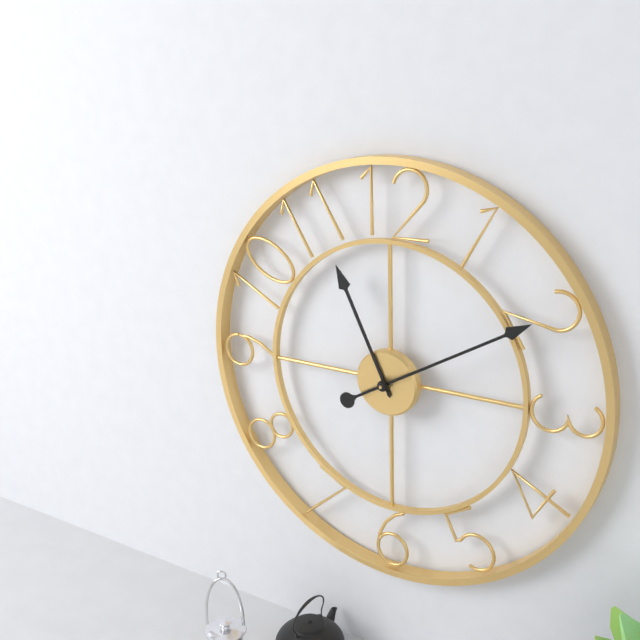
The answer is 11:10
